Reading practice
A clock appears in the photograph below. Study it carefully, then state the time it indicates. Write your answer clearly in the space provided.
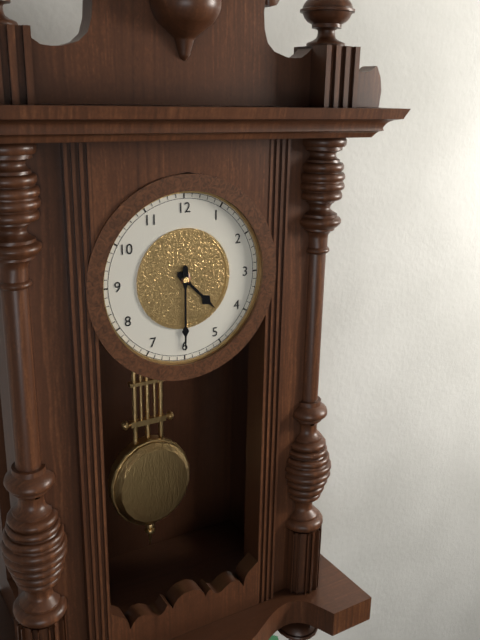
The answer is 4:30
